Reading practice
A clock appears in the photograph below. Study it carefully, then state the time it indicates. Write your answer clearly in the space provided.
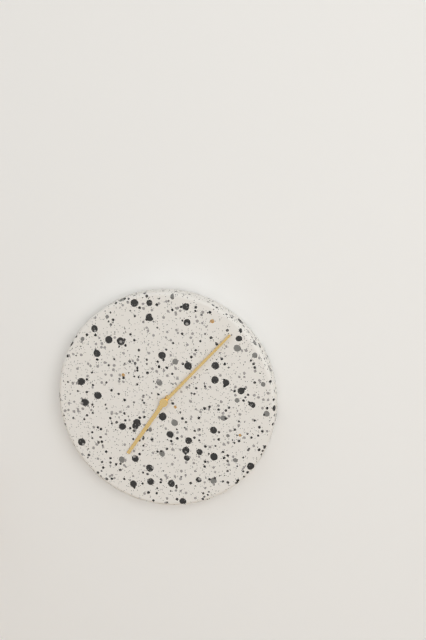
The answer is 7:07
